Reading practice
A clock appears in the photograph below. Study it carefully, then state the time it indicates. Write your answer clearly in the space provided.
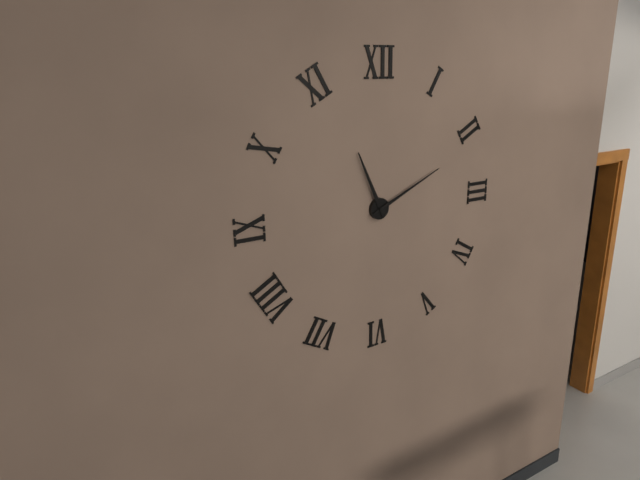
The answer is 11:11
